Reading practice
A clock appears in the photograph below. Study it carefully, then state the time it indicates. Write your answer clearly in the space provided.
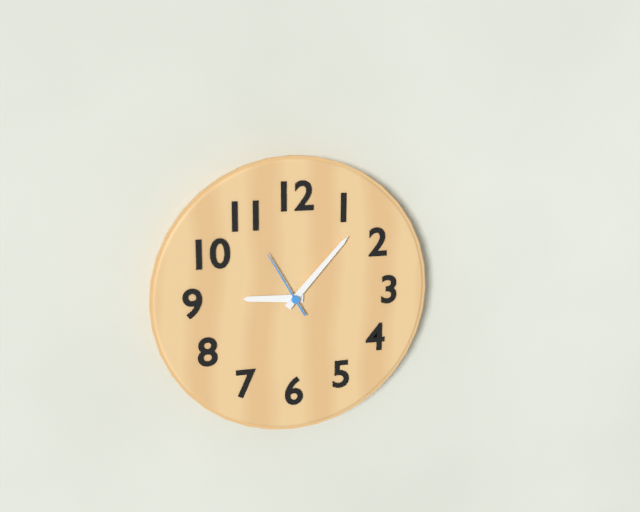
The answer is 9:07:55
